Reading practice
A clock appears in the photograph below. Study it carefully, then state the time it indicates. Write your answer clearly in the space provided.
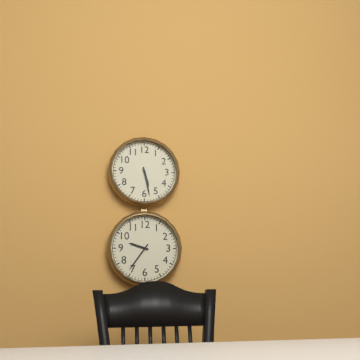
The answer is 5:28
